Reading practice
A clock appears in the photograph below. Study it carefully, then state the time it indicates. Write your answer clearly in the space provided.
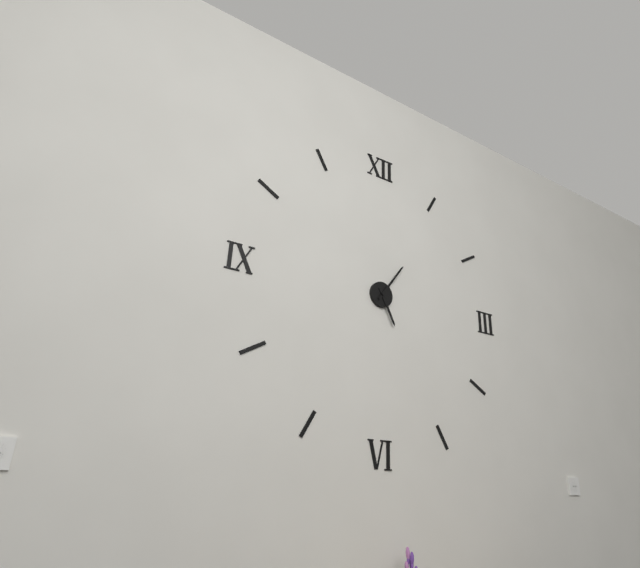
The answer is 5:06
